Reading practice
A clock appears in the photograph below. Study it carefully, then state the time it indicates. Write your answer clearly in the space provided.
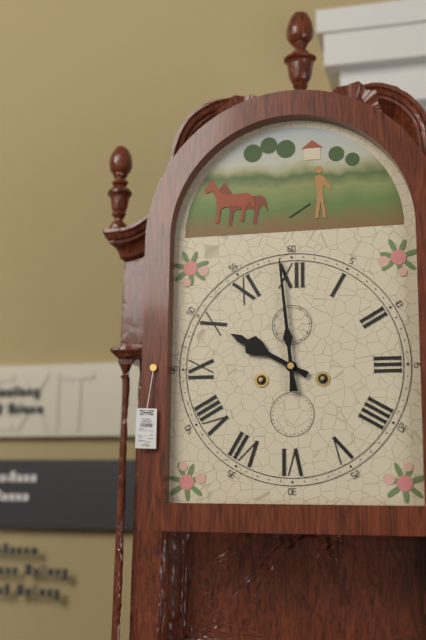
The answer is 9:59
